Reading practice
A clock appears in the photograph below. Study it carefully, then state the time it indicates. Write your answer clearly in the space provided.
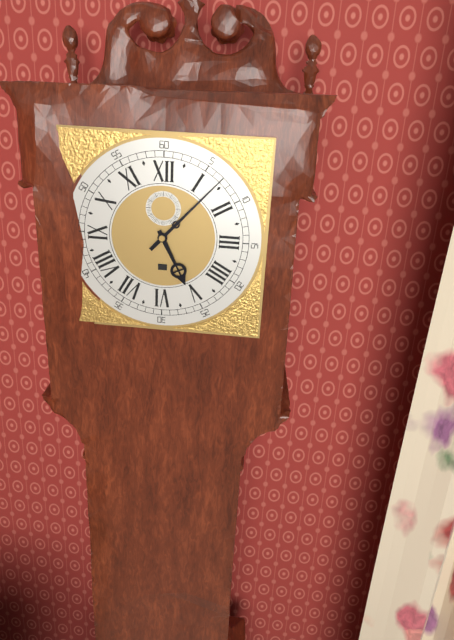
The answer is 5:07
